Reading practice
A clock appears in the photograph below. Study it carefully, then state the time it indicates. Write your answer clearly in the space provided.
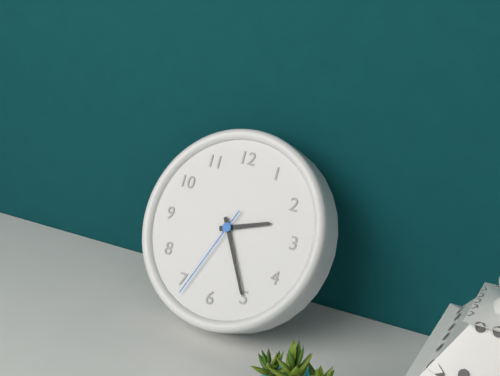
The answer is 2:25:34
